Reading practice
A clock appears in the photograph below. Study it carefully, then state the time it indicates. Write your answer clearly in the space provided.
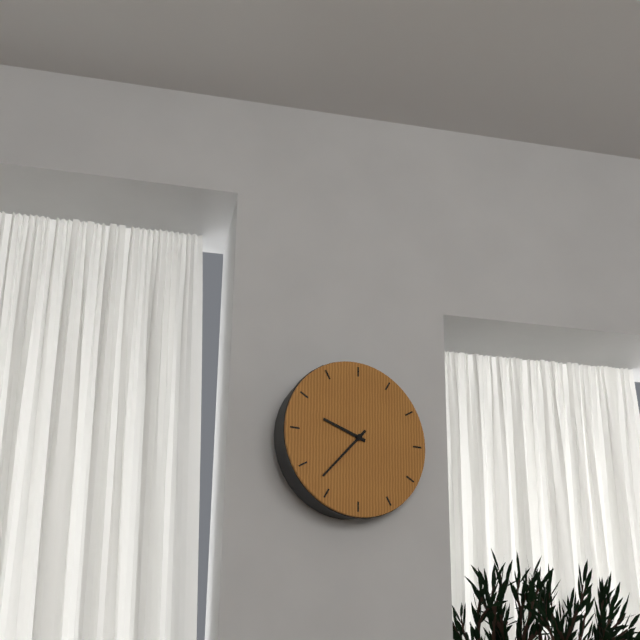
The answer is 9:37
